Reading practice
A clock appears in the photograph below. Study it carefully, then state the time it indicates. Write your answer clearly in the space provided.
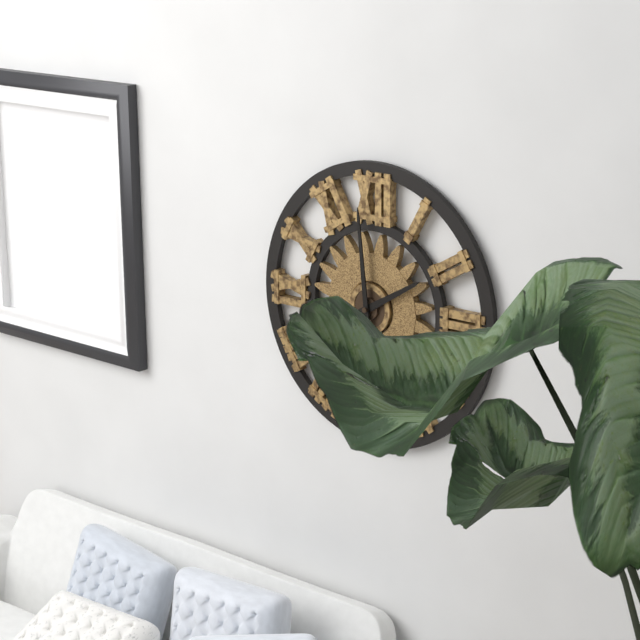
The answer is 1:59
